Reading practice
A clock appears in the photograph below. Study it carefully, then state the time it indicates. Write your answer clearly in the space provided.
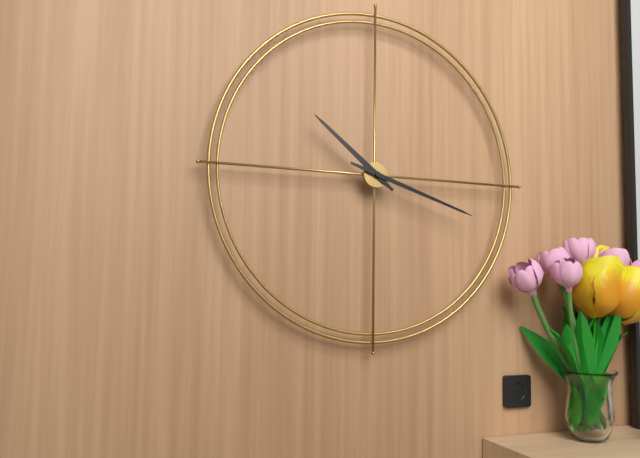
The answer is 10:18
